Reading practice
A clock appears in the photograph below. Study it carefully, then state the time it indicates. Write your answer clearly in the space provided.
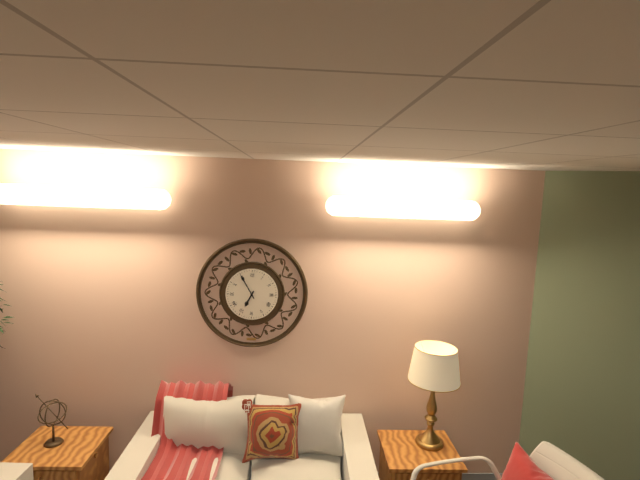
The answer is 6:55
